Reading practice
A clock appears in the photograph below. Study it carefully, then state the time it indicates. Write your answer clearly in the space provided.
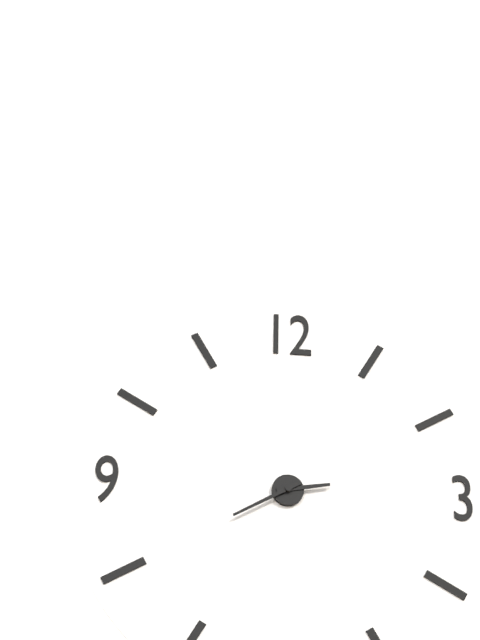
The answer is 2:40
